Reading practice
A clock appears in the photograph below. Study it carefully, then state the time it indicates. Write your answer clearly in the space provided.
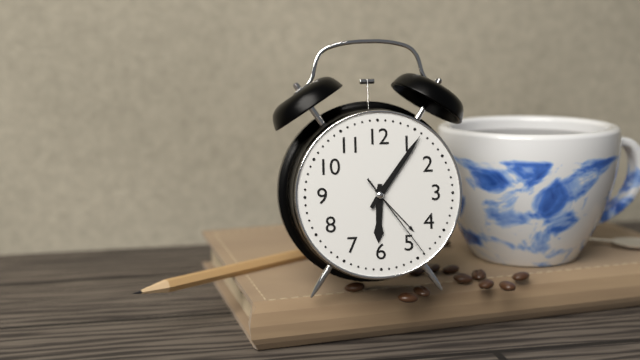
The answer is 6:06:24
